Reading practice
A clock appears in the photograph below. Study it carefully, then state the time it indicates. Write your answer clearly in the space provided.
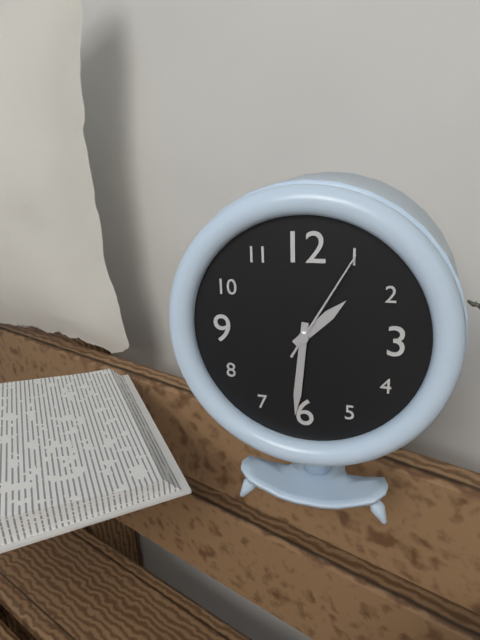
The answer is 1:31:05
